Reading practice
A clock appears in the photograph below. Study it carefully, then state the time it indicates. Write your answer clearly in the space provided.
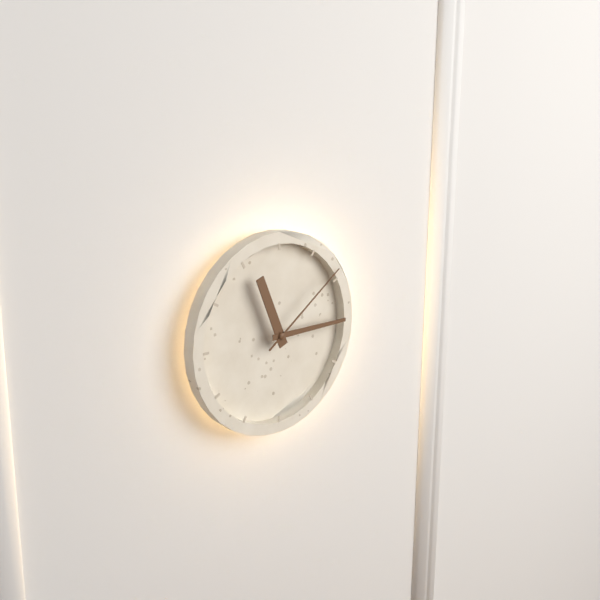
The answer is 11:15:09
